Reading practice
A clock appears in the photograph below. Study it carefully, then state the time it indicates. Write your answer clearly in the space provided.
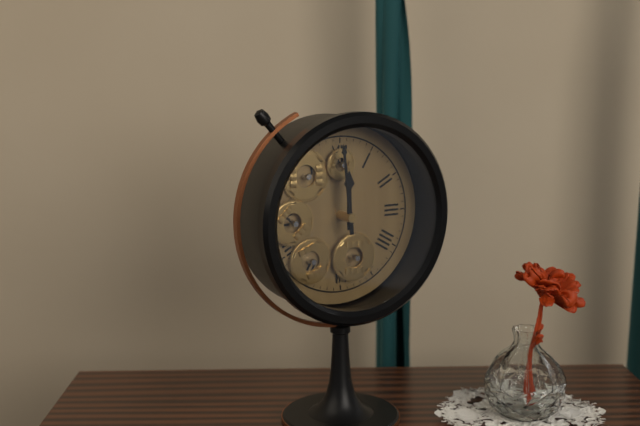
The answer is 11:59
